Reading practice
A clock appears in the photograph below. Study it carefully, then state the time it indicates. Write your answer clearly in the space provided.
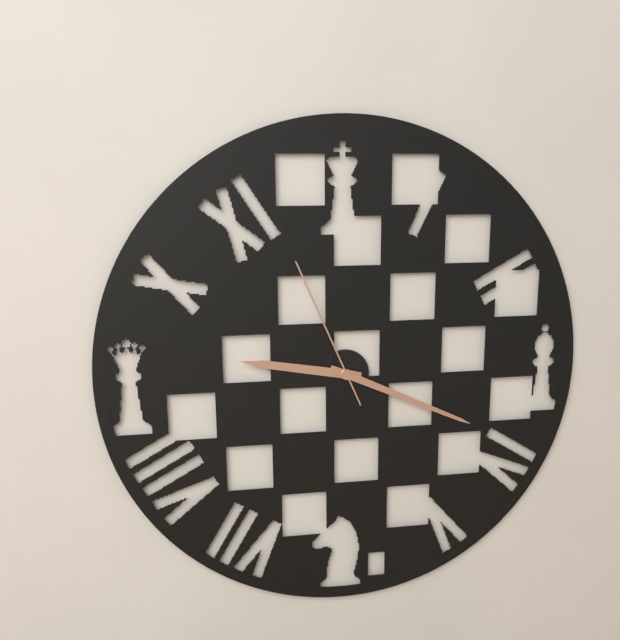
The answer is 9:19:56
